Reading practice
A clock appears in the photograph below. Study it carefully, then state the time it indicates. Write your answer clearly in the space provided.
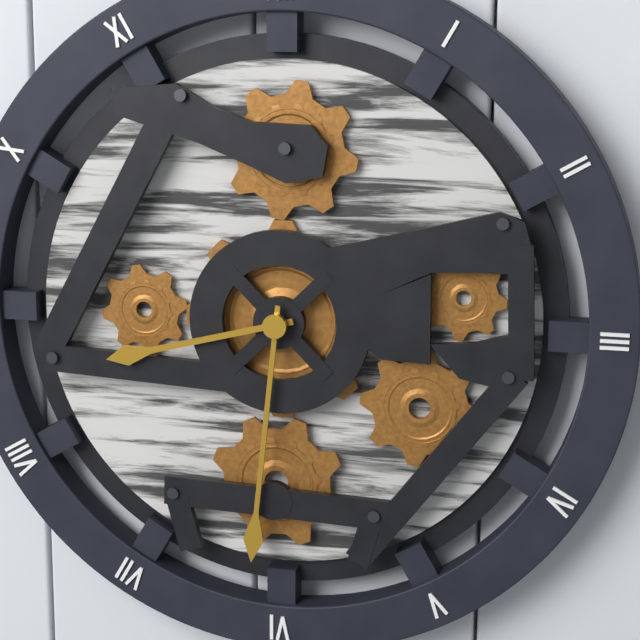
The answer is 8:31
